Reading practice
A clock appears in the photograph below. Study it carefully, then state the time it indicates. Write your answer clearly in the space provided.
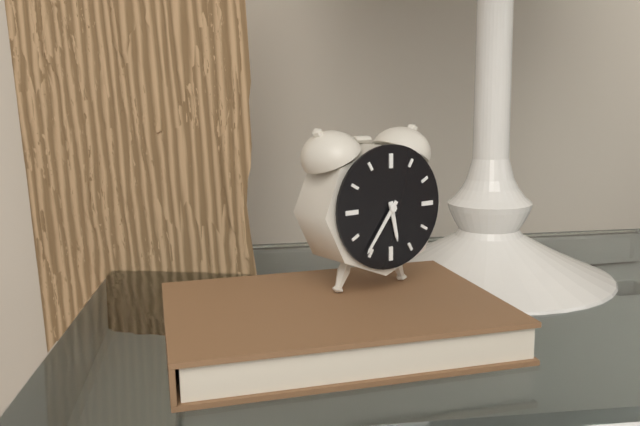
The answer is 5:36
